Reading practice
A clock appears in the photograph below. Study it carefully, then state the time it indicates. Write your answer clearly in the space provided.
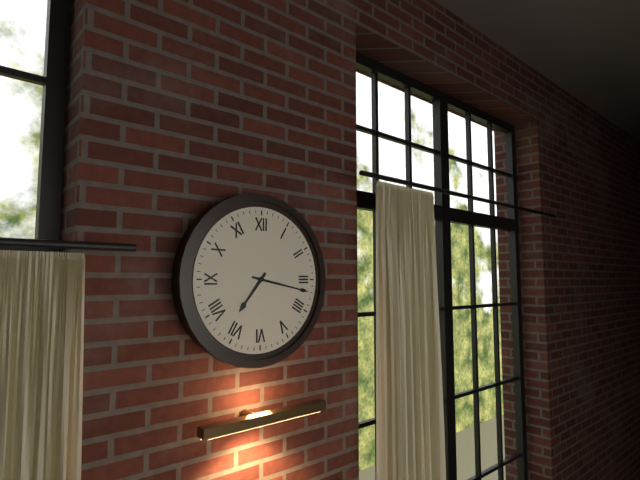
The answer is 7:17
